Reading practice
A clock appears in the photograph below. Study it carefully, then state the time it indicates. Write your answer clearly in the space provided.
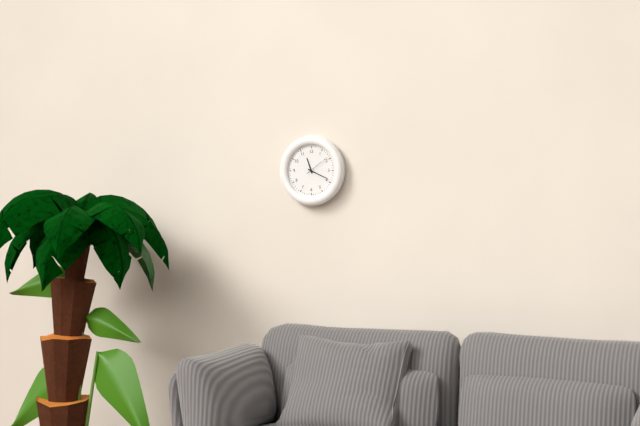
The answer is 11:19
